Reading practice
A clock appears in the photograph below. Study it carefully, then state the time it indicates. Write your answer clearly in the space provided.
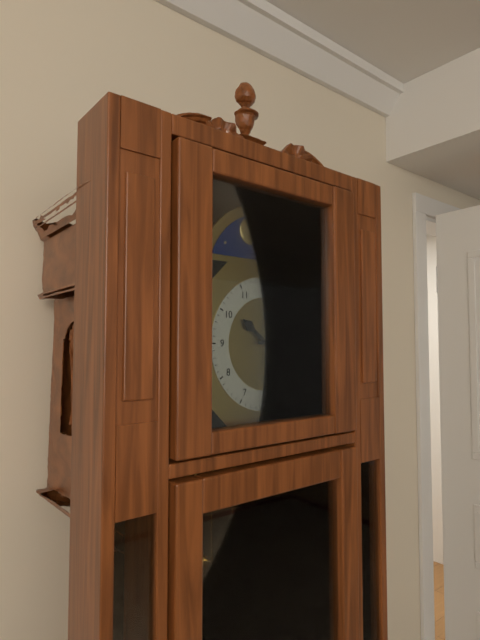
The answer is 10:16
